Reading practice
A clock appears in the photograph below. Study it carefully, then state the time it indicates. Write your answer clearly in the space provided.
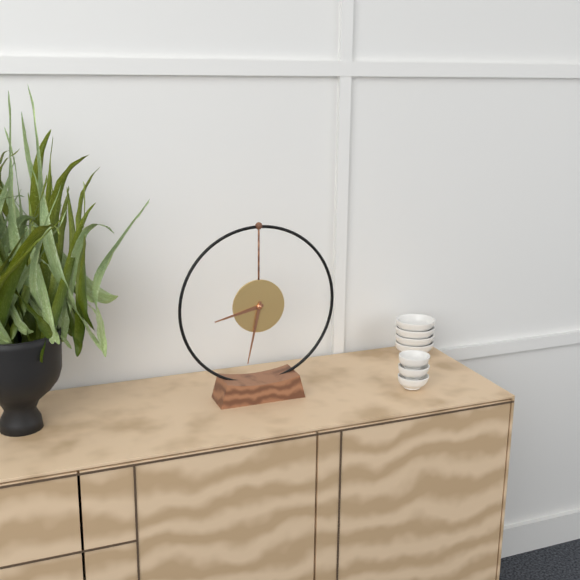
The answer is 8:32
